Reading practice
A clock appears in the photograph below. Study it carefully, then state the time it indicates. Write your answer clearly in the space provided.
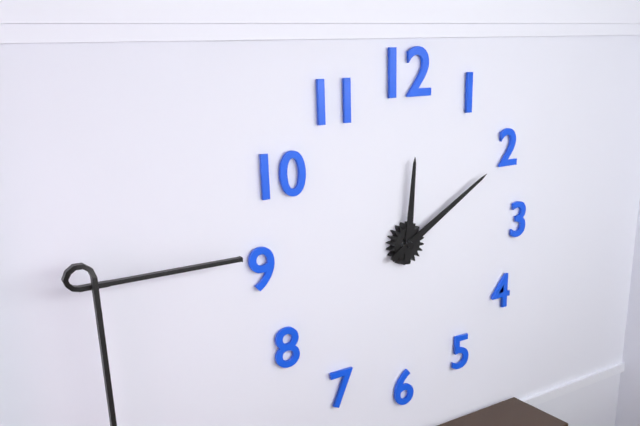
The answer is 12:10
